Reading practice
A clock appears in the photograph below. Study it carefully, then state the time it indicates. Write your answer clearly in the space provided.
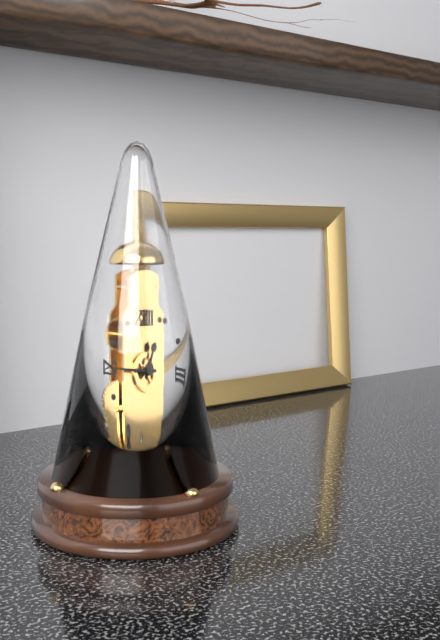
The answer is 12:45
